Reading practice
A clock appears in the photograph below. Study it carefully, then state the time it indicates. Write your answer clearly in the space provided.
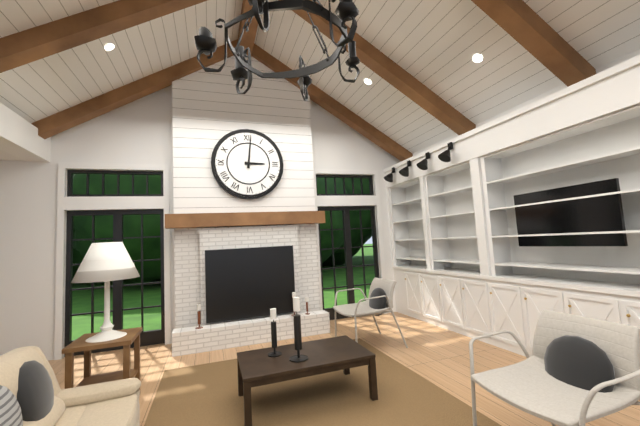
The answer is 3:01
